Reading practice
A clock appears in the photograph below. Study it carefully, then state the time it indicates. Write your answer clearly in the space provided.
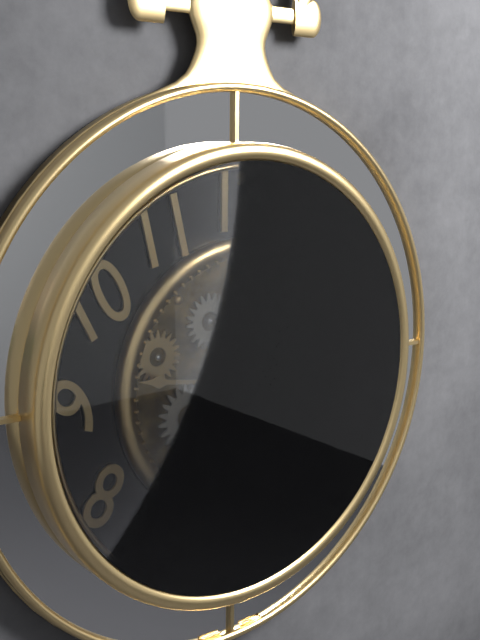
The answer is 9:17
